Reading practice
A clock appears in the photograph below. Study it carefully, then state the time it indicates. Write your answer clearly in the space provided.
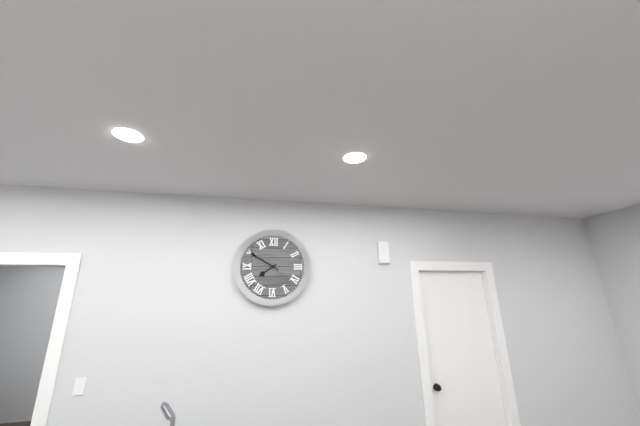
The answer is 7:50
